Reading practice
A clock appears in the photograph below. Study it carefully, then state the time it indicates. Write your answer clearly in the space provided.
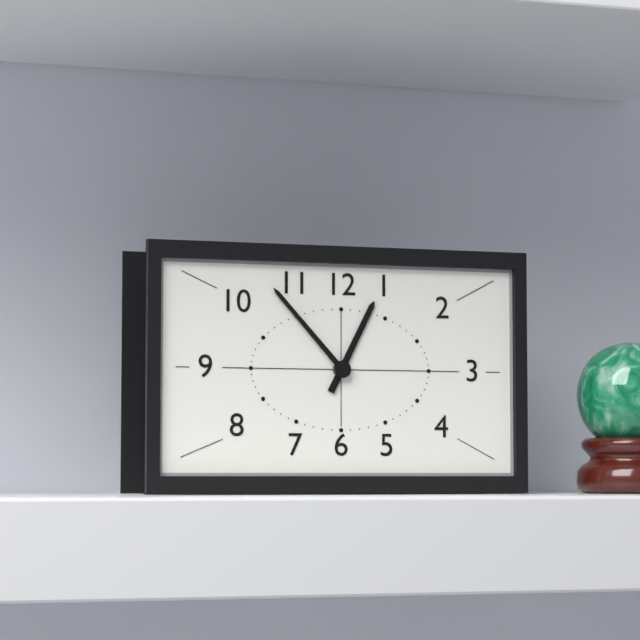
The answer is 12:53
